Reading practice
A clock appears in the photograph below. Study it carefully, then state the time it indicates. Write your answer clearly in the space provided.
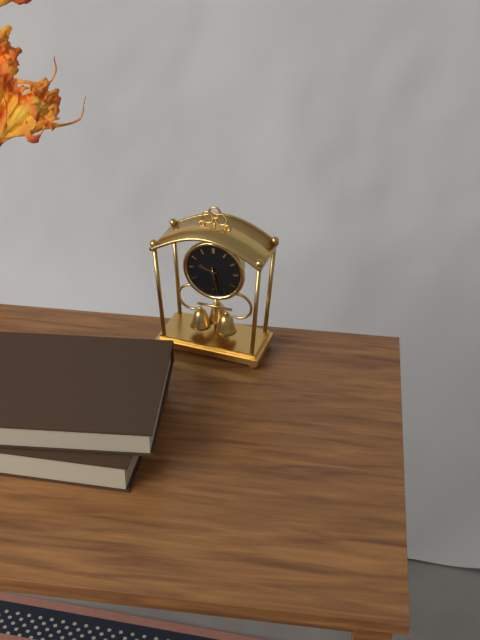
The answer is 9:28
